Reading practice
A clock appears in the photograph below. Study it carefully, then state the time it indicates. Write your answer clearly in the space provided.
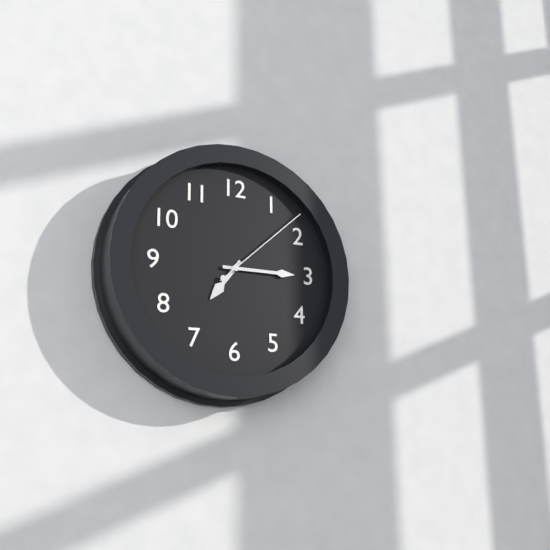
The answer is 7:15:08
